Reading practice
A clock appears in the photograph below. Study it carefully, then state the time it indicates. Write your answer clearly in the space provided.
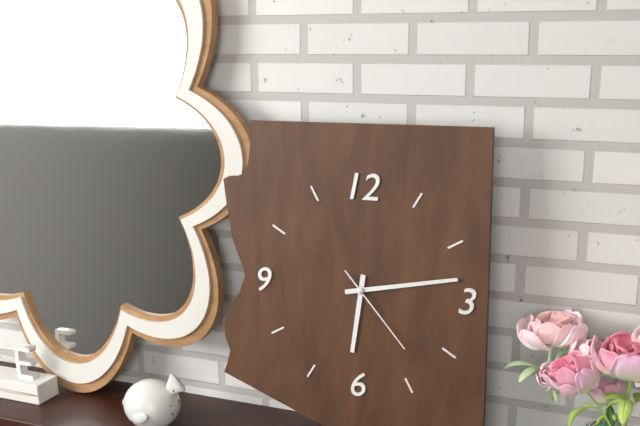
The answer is 6:13:23
